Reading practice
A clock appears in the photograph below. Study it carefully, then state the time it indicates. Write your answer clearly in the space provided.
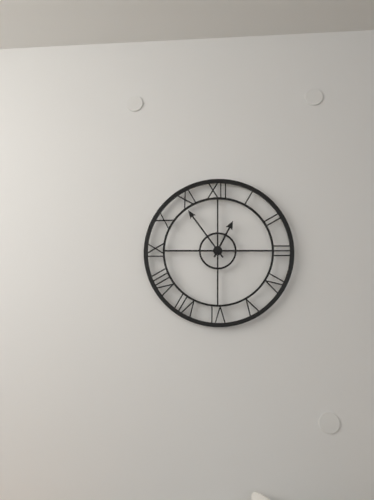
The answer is 12:54
